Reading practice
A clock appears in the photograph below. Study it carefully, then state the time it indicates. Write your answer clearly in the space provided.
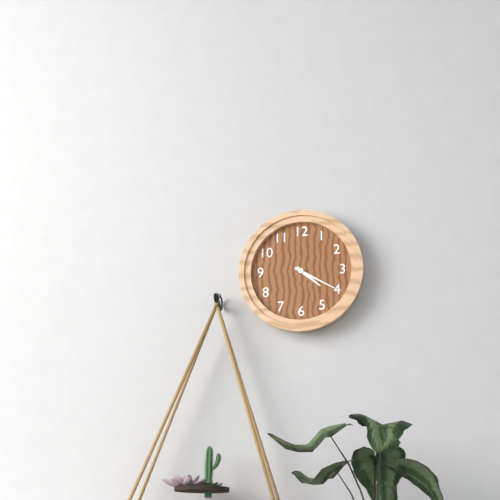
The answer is 4:20
